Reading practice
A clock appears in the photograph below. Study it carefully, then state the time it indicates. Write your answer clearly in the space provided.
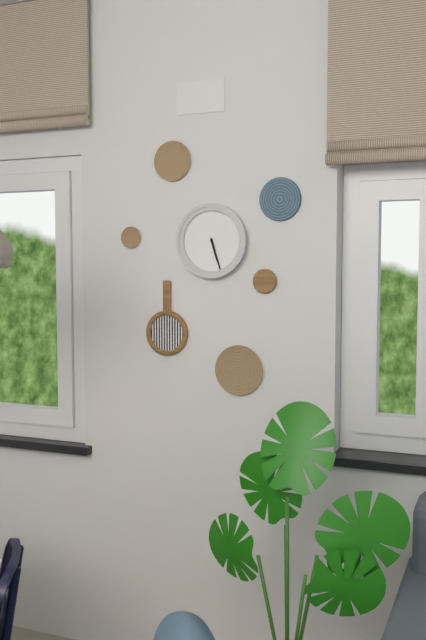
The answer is 5:27
